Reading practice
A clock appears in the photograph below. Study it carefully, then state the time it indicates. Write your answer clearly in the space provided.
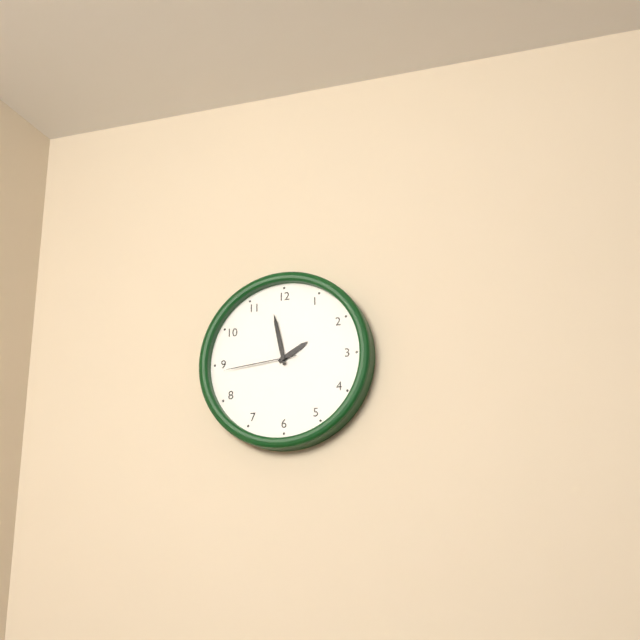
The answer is 1:58:44
